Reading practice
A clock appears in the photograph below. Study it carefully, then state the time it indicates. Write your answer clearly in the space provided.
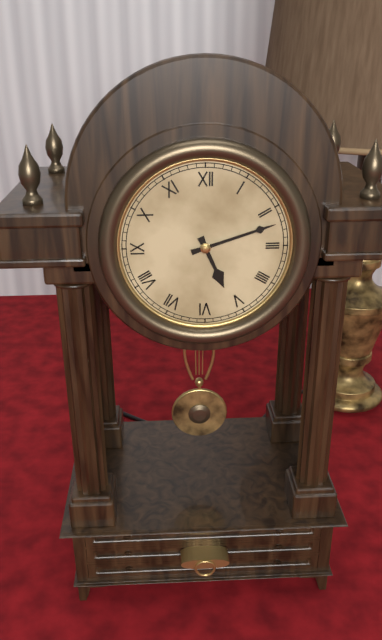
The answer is 5:12
